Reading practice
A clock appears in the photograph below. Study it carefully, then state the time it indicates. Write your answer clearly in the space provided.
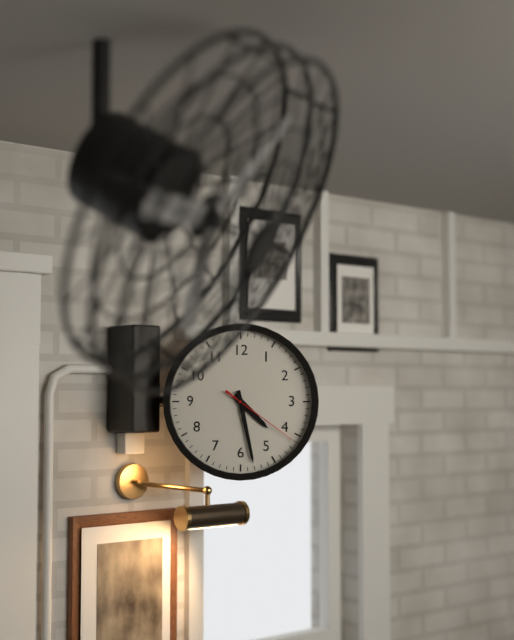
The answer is 4:28:21
